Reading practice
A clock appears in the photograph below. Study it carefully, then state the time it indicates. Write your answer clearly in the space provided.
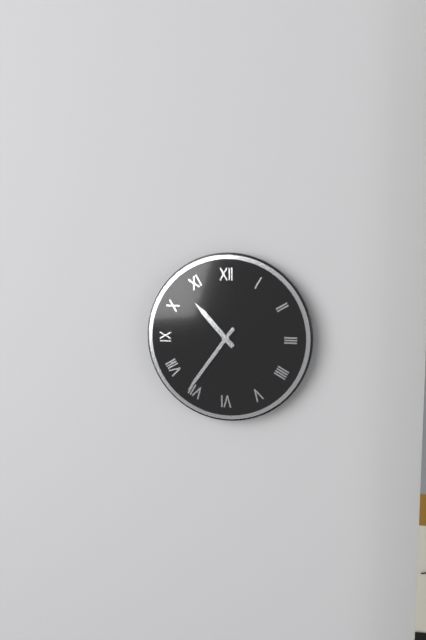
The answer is 10:36
